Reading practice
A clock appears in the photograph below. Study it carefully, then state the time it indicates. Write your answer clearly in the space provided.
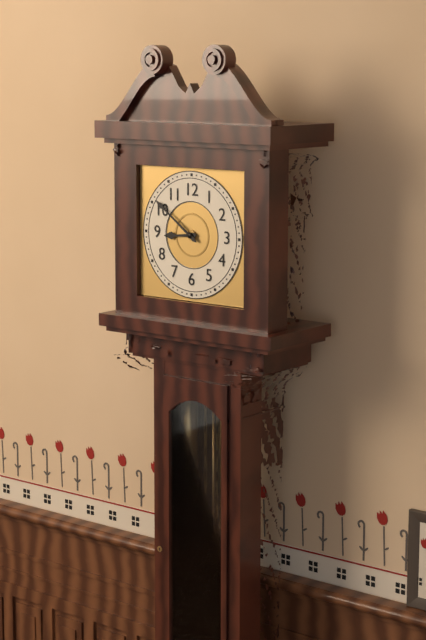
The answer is 8:51
